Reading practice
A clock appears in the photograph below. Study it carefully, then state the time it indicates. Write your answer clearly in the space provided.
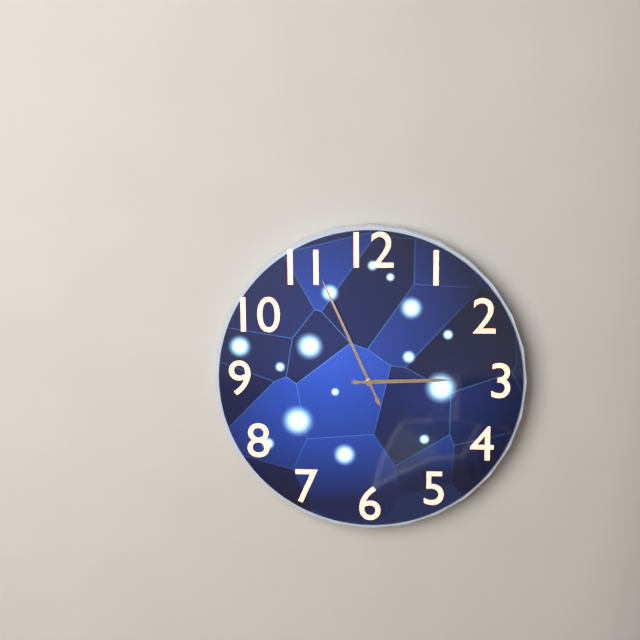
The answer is 2:56
